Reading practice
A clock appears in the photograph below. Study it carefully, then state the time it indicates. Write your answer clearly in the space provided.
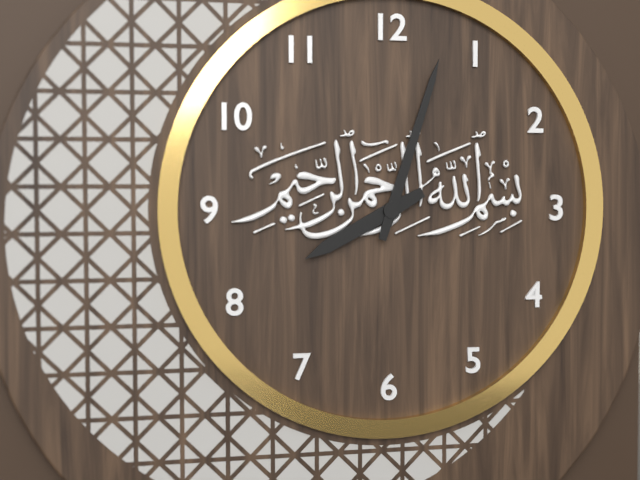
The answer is 8:03
